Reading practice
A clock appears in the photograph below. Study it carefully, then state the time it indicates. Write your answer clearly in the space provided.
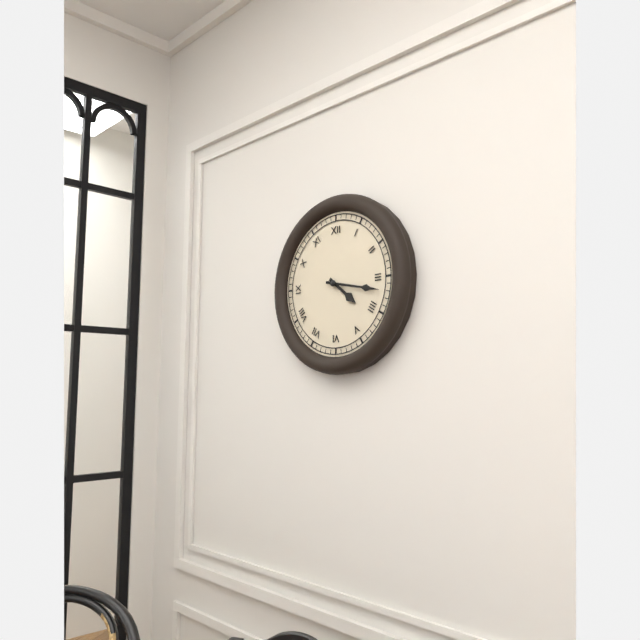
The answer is 4:17
